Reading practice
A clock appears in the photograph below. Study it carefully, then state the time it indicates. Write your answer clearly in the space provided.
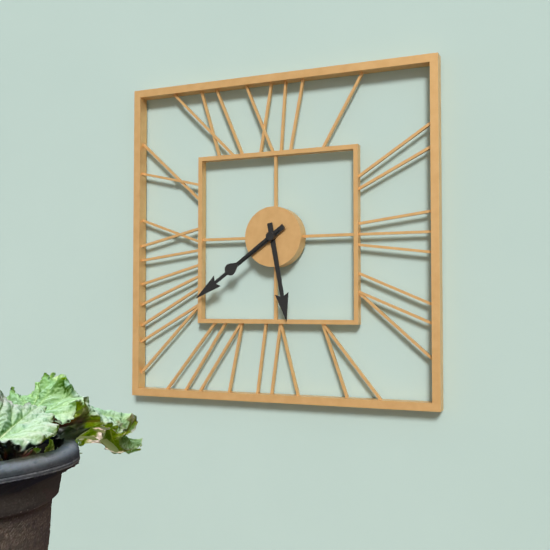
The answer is 5:39:39
